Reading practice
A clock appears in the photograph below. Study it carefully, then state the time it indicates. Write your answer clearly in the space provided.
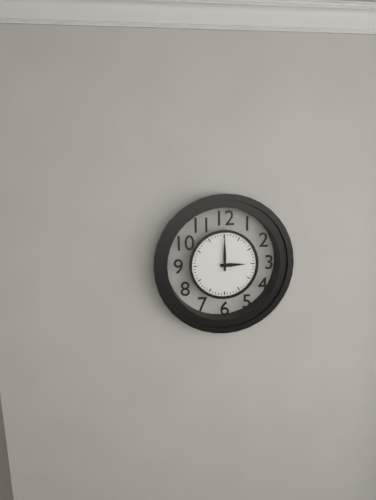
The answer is 3:00
